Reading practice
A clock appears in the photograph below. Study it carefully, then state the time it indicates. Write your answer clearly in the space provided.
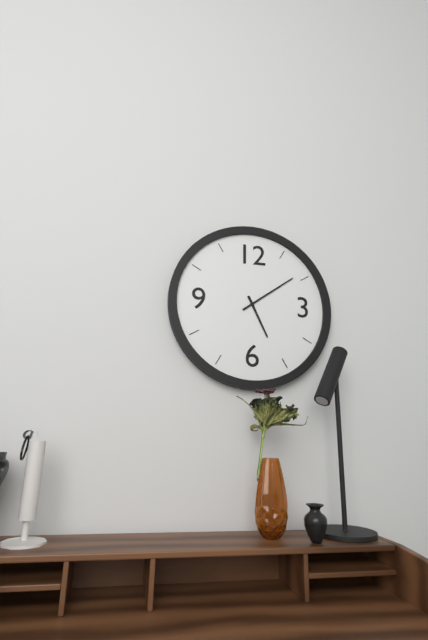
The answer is 5:09
